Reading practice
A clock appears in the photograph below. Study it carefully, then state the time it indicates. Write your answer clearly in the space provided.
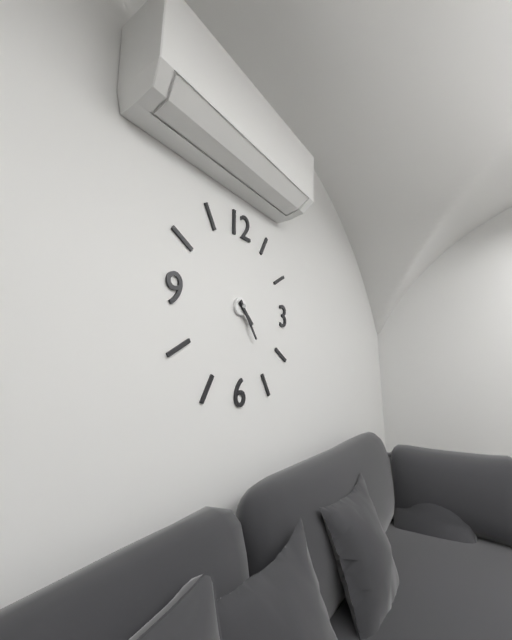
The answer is 4:24
